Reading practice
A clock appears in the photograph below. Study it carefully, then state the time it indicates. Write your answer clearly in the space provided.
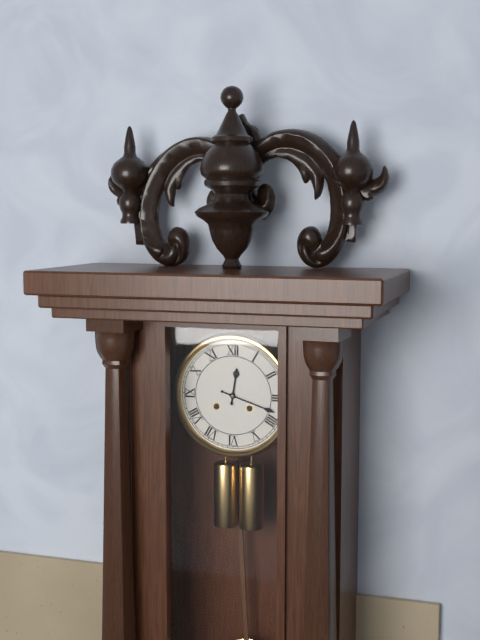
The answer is 12:18
